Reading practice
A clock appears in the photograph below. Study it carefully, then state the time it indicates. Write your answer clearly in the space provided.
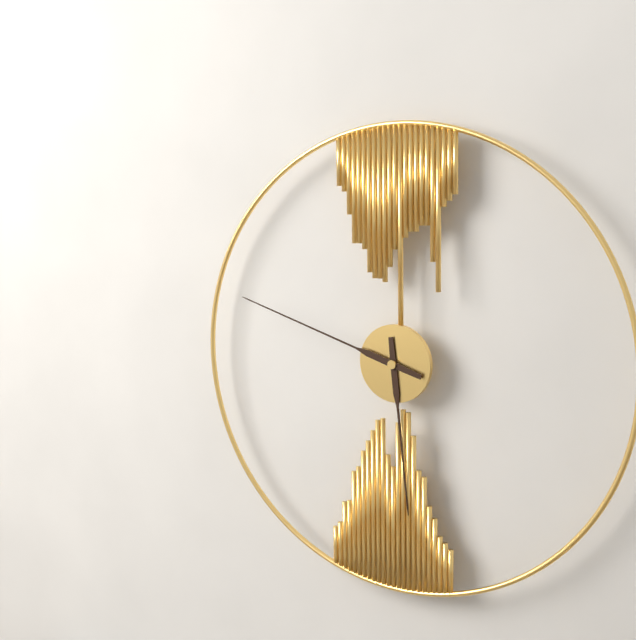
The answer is 5:48
